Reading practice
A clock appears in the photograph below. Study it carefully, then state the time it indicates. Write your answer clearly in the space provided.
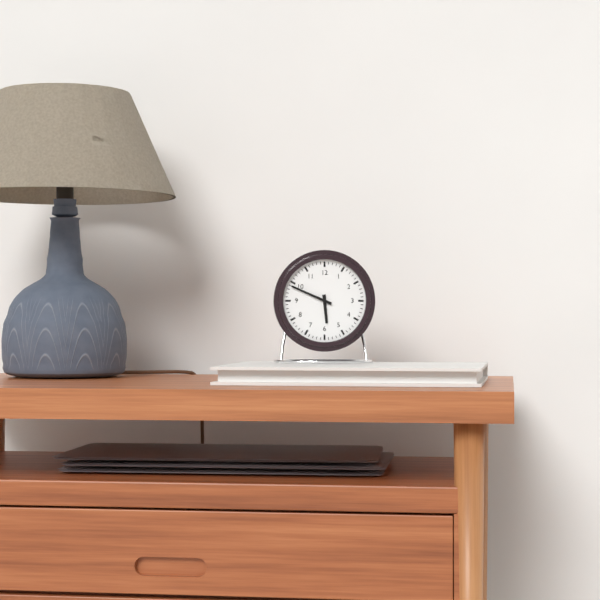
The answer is 5:49
